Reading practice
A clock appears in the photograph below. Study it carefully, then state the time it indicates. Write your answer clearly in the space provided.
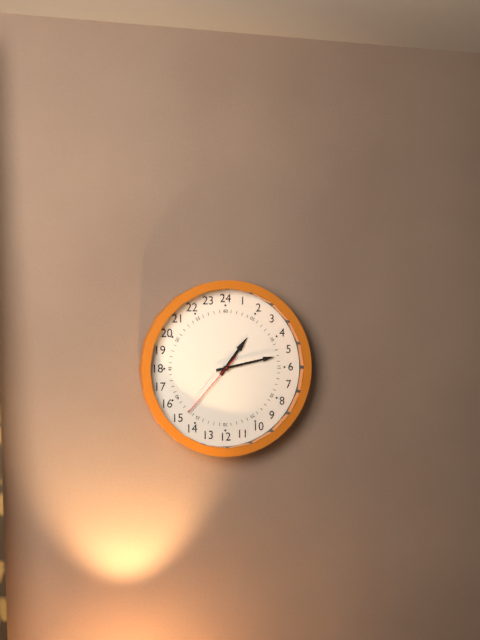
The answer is 1:13:37
